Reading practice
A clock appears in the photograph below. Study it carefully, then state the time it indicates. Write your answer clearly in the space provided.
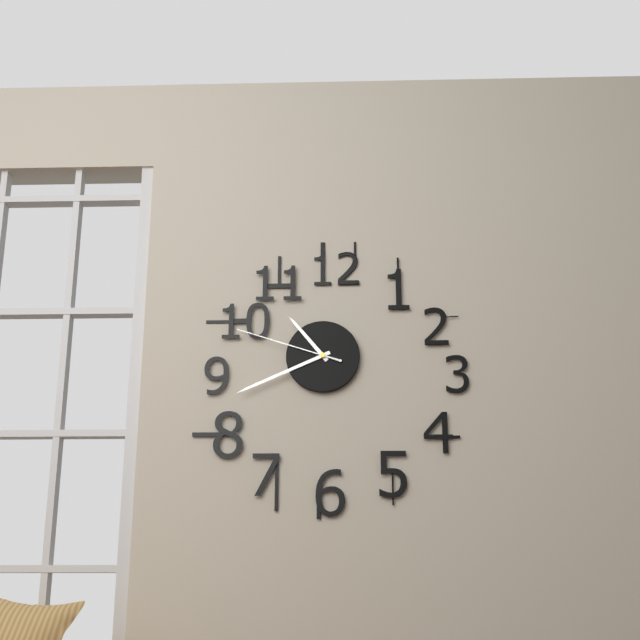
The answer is 10:41:48
